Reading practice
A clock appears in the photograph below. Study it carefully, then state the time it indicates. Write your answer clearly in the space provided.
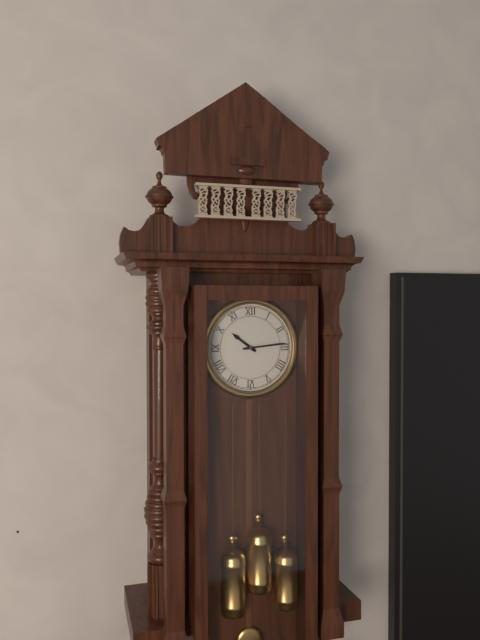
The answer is 10:14
